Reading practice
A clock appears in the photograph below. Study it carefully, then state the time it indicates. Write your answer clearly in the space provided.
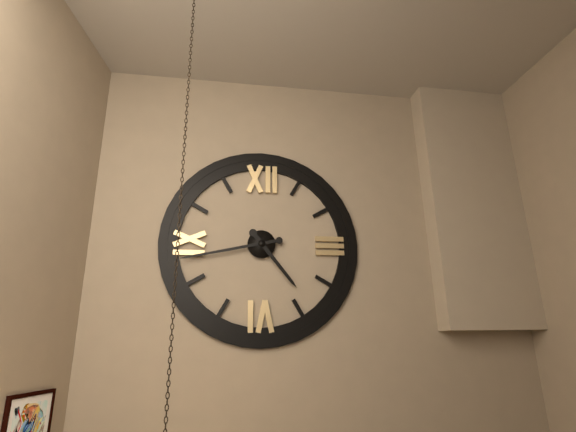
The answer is 4:43
